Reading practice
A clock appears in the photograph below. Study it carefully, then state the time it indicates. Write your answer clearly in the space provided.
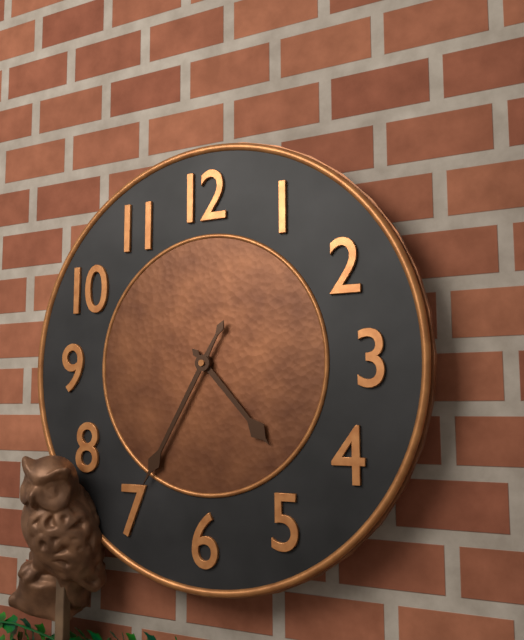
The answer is 4:35
